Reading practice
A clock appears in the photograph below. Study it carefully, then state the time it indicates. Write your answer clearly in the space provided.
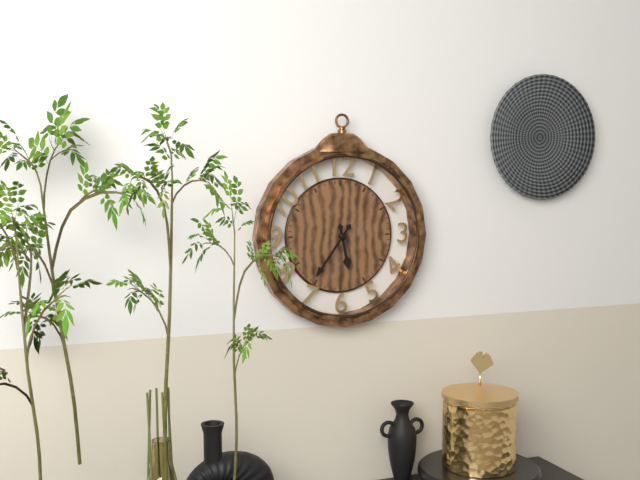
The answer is 5:36
